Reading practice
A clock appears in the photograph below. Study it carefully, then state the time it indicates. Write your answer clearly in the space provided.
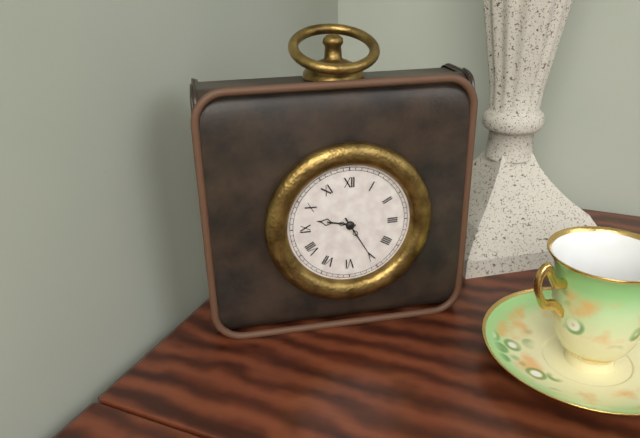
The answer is 9:25
